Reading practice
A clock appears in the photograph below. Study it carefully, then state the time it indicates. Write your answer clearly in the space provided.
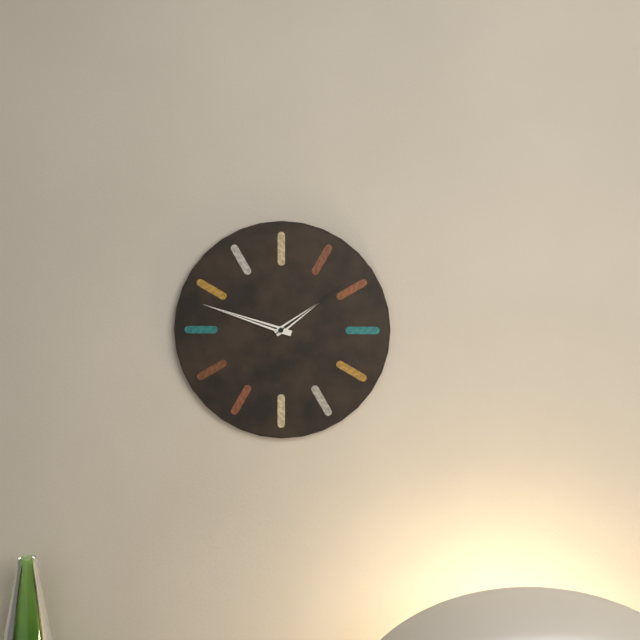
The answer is 1:48:09
